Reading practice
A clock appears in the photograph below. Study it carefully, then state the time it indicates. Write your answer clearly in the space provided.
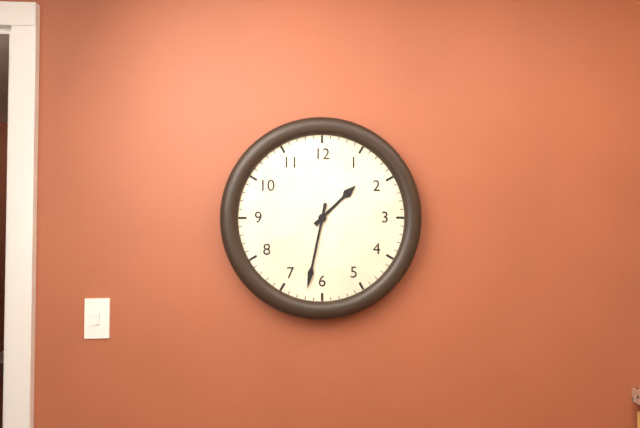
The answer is 1:32
